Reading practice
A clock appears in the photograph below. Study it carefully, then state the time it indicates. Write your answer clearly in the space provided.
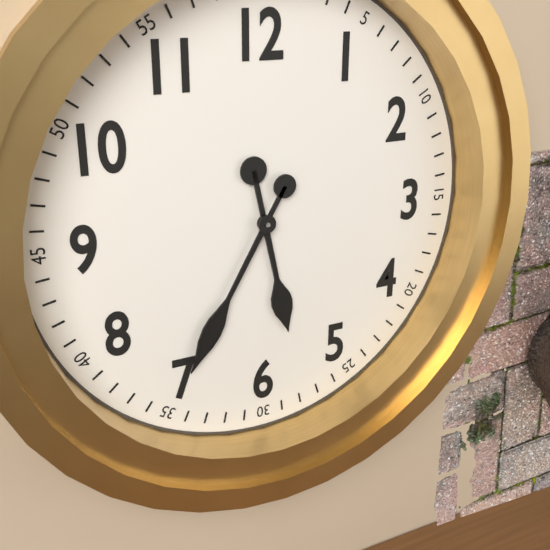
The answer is 5:35
